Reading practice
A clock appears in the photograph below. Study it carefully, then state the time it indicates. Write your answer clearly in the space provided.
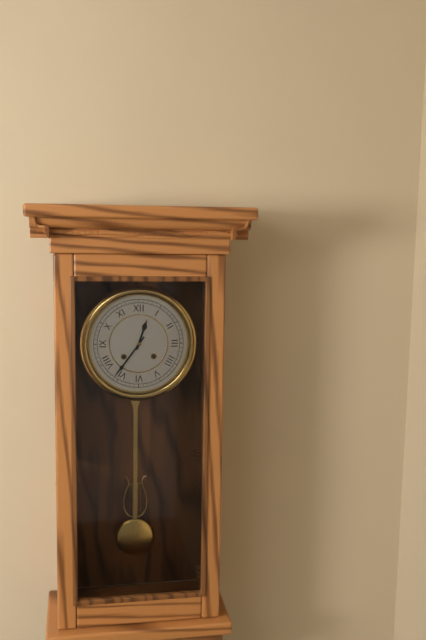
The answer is 12:36
